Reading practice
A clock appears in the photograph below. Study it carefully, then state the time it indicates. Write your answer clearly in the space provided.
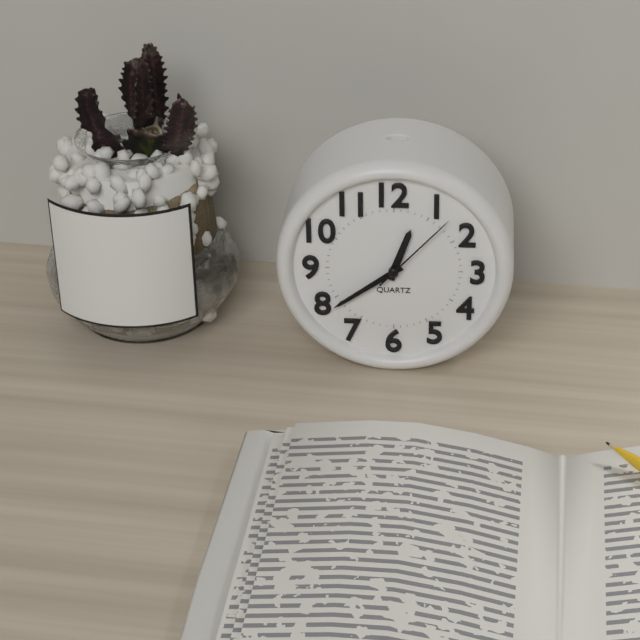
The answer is 12:39:07
